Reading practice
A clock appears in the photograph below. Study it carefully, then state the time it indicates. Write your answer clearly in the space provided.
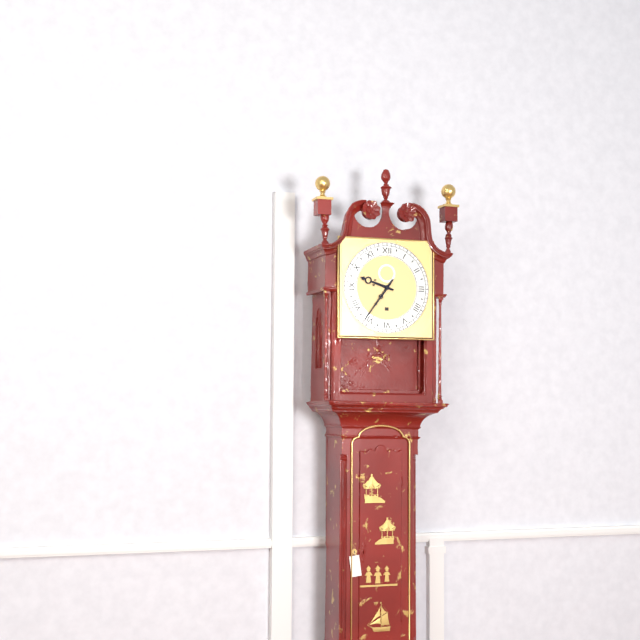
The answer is 9:36
